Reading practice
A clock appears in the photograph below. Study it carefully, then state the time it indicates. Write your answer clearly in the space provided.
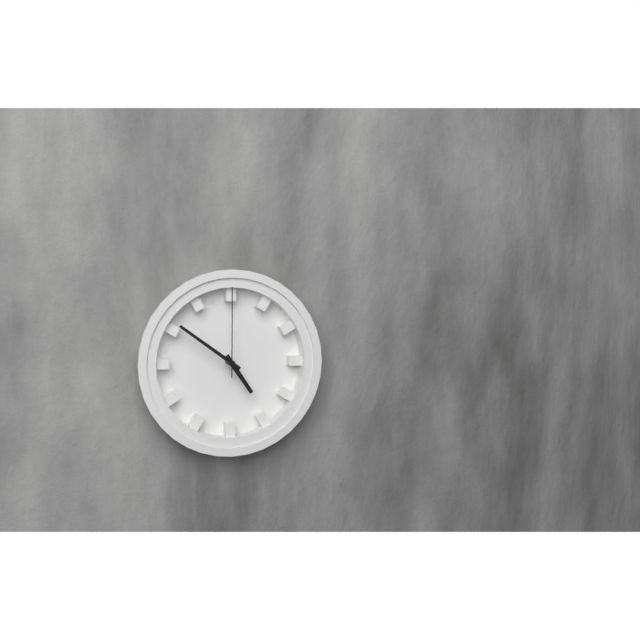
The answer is 4:51:00
